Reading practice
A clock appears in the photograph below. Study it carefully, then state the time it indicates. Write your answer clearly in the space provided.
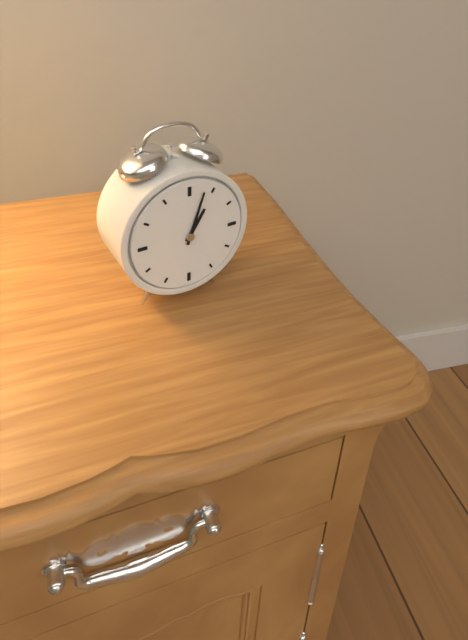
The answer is 1:03
